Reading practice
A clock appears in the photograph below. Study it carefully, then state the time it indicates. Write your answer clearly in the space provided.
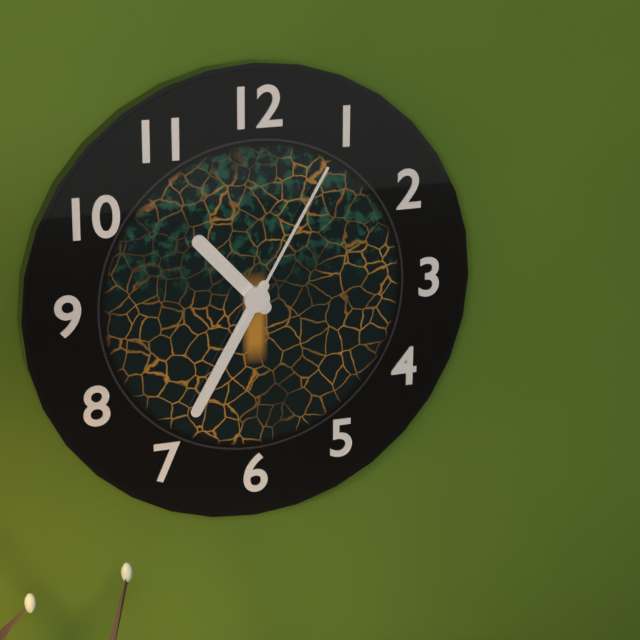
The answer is 10:35:05
